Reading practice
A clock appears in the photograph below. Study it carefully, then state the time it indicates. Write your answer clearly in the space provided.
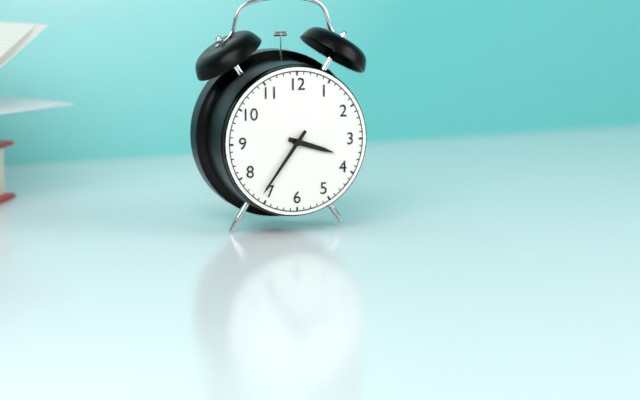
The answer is 3:36
